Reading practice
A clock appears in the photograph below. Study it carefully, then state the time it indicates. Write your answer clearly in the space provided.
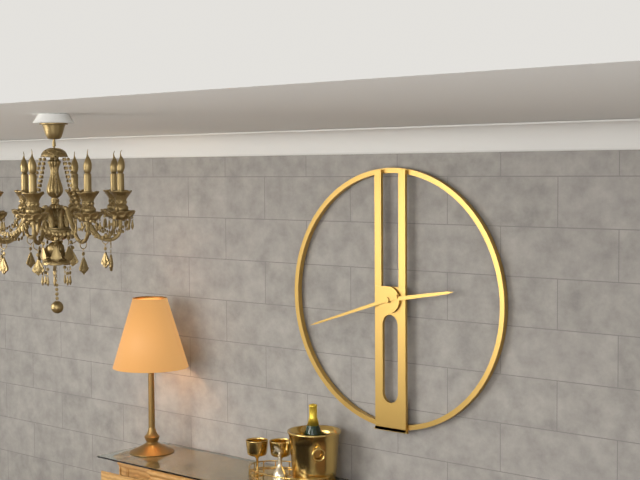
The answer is 2:42
